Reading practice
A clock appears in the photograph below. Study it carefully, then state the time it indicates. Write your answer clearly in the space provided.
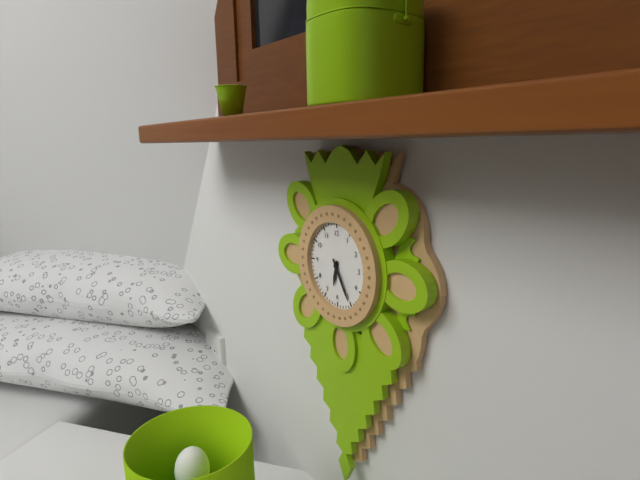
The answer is 6:25
